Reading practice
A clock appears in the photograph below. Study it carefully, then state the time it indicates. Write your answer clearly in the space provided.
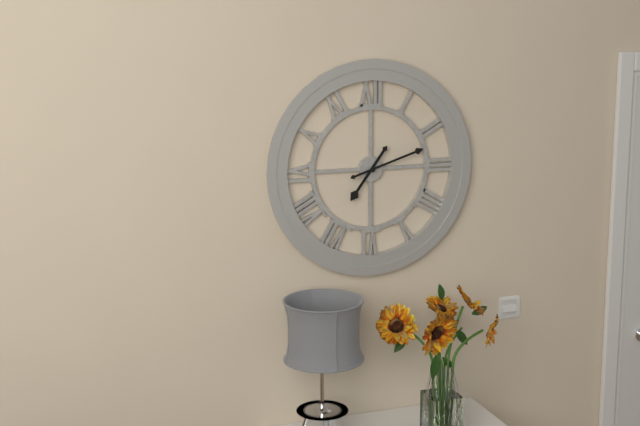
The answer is 7:12
